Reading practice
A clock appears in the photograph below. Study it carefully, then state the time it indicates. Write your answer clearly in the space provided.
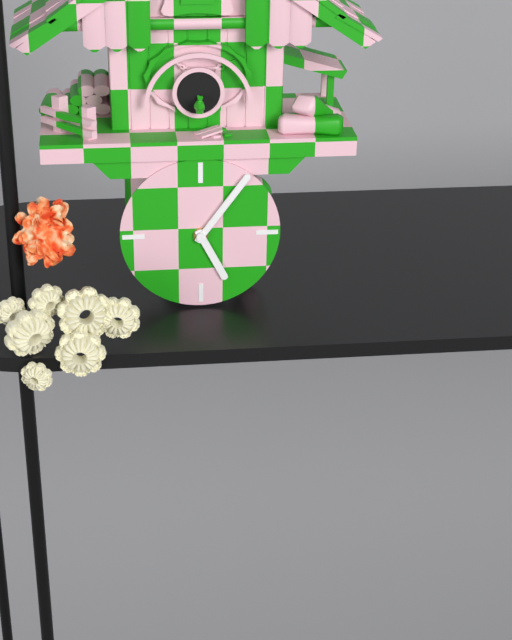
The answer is 5:06
